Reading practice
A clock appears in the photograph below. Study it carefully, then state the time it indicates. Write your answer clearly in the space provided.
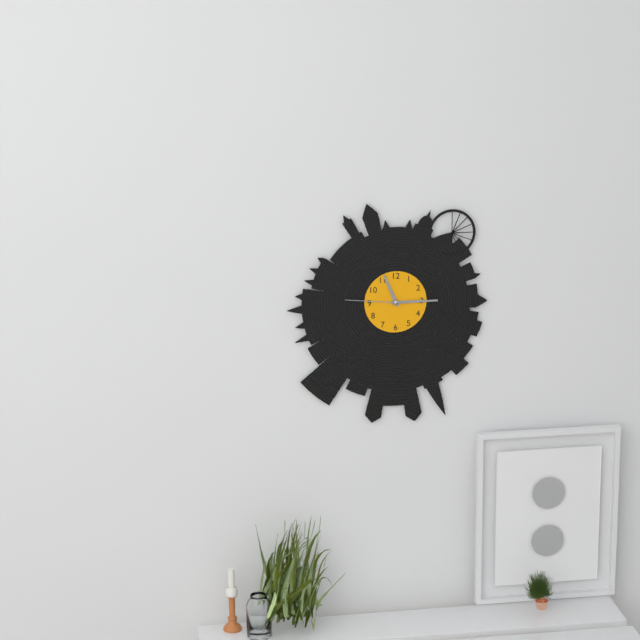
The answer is 11:15:46
